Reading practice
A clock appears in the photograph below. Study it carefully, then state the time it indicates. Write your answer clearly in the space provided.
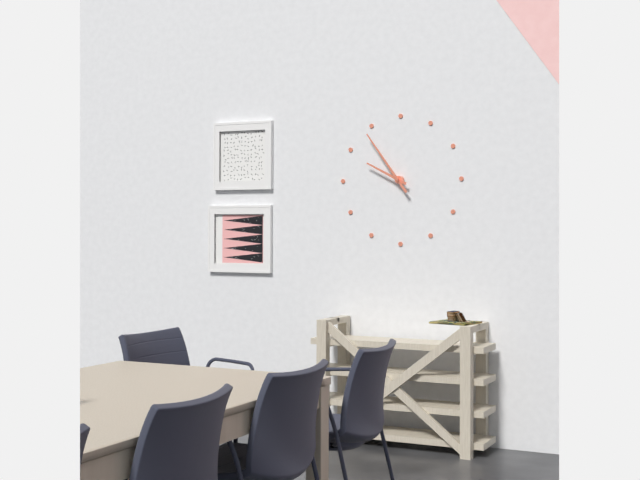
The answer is 9:54
